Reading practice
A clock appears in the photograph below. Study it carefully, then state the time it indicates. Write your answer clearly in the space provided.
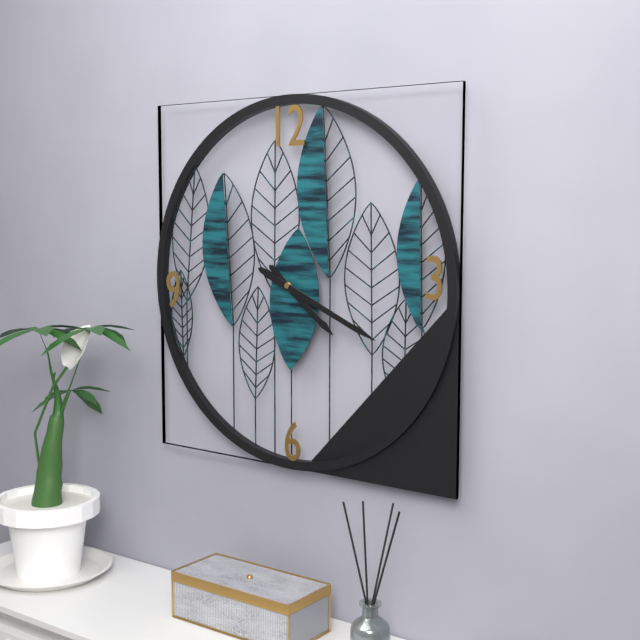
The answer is 4:19
